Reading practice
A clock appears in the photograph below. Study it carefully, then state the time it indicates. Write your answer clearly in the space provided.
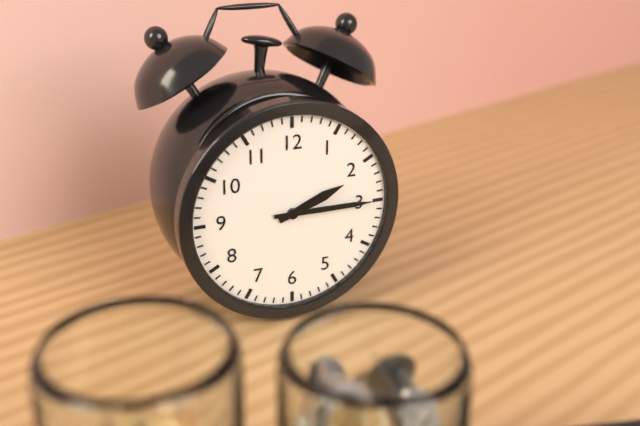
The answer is 2:15
